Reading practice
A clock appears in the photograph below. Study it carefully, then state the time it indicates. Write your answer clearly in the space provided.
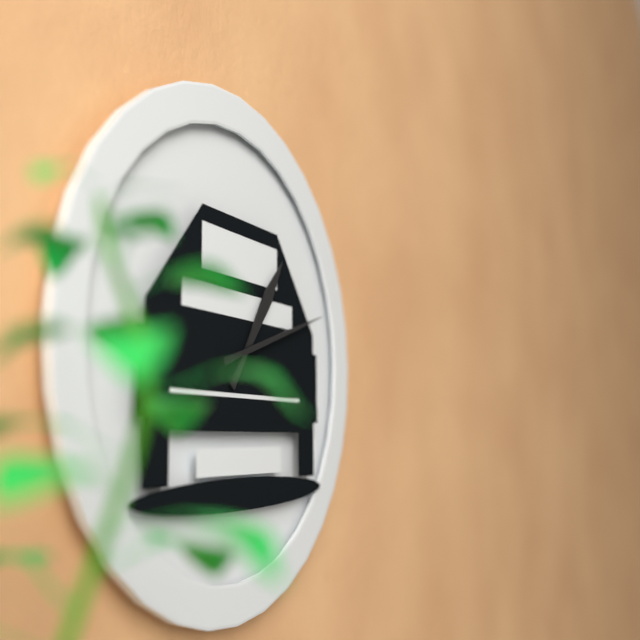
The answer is 1:12
